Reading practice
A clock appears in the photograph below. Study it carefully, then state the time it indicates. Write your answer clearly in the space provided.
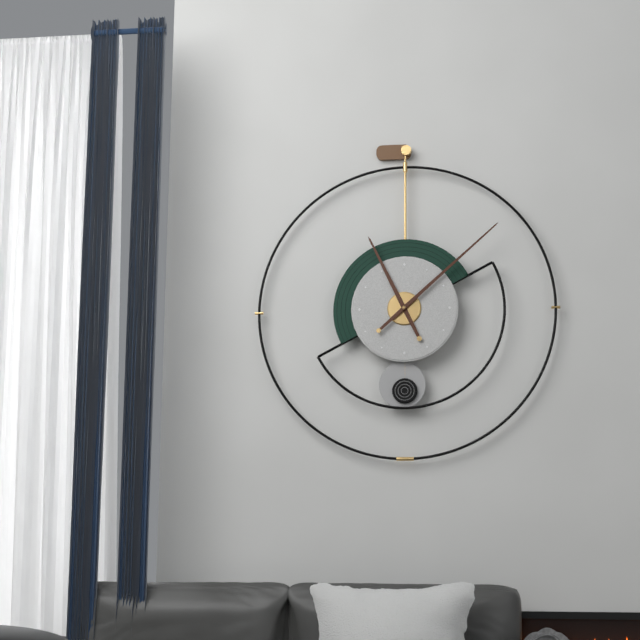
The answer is 11:08
